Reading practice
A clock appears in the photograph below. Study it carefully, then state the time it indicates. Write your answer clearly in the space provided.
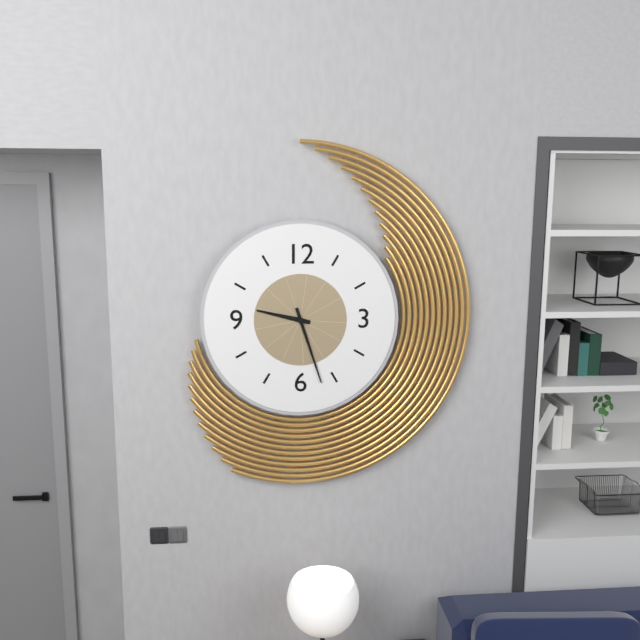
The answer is 9:27
